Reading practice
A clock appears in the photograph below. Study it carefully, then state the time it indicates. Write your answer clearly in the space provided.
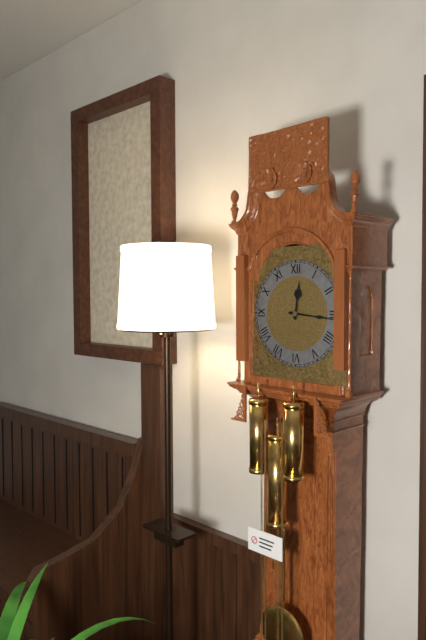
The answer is 12:16
